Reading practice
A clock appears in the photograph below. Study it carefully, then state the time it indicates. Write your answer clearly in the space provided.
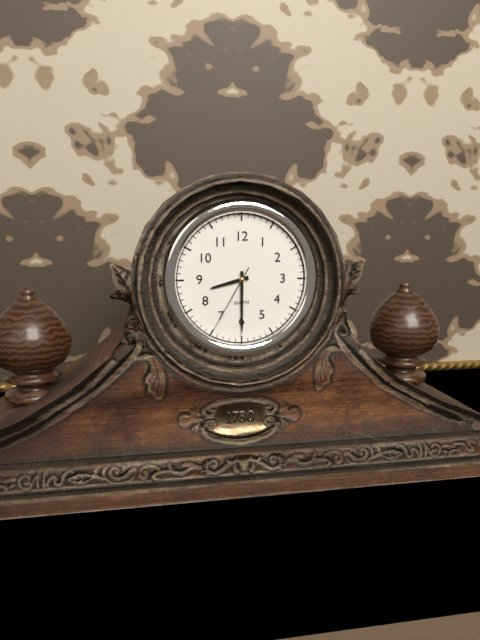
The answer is 8:30:35
